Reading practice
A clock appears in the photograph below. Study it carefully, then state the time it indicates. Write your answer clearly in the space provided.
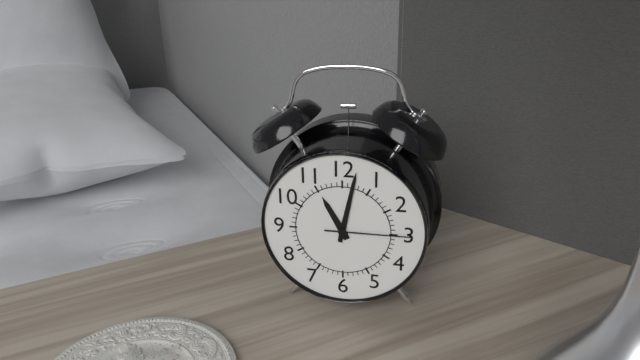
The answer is 11:02:15
